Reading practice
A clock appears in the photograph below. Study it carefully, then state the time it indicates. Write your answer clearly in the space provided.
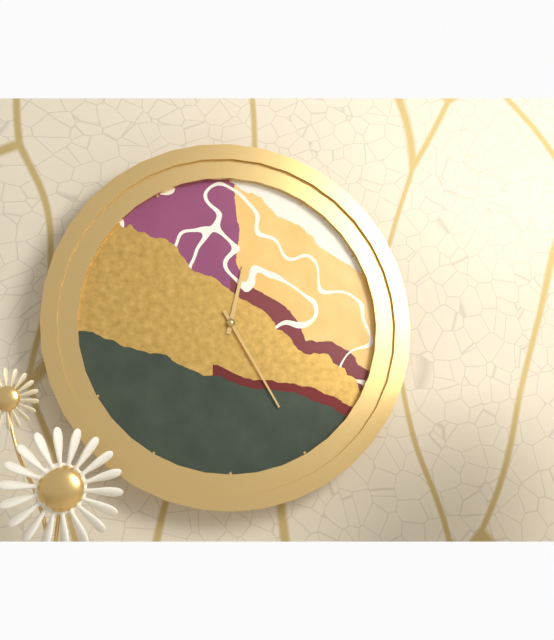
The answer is 12:25
